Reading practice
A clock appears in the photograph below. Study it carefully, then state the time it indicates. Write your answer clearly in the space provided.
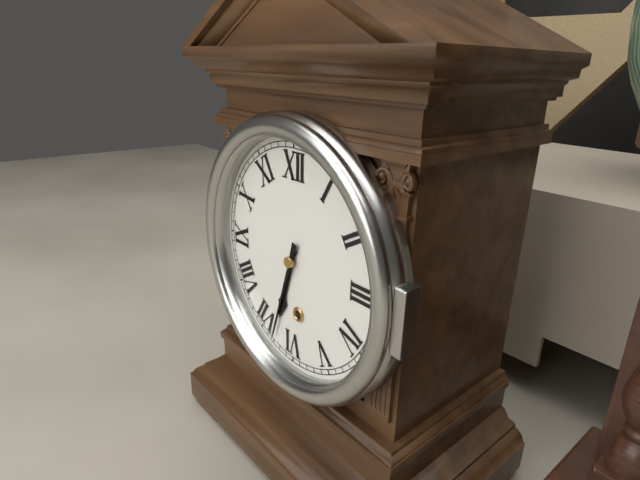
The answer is 6:33
